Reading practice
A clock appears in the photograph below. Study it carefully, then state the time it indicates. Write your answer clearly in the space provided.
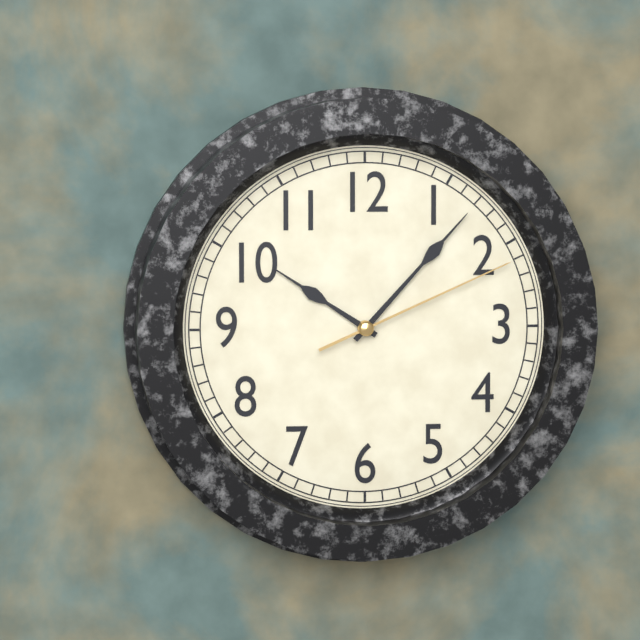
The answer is 10:07:11
